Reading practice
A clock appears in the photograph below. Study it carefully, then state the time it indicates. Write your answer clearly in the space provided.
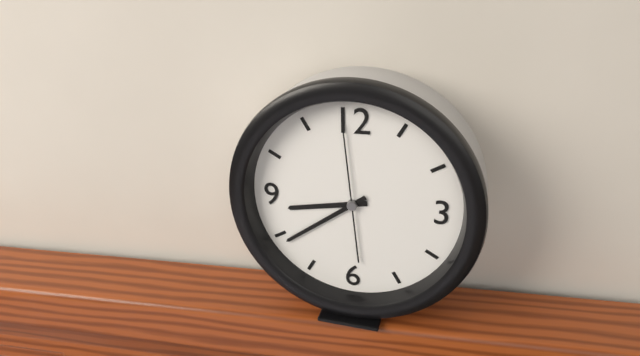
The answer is 8:39:59
